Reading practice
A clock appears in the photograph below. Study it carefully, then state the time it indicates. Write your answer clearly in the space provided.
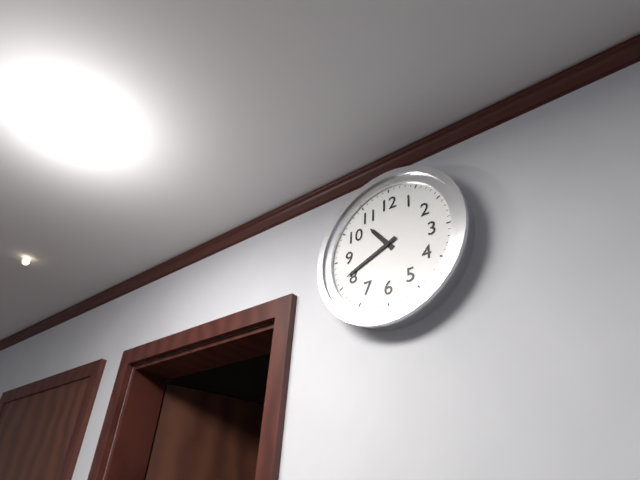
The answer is 10:41
